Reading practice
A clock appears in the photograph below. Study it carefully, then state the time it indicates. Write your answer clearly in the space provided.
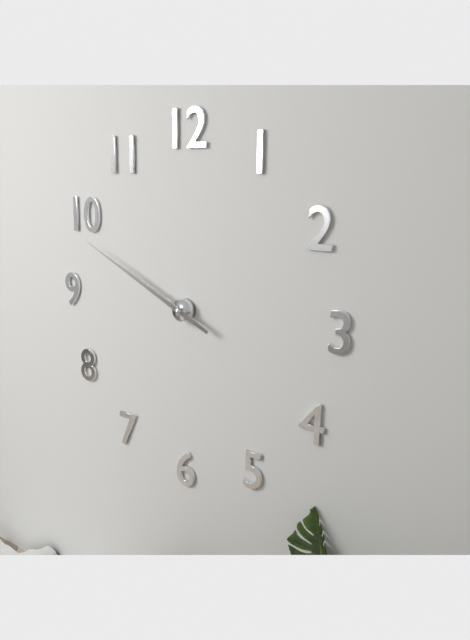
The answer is 9:49
